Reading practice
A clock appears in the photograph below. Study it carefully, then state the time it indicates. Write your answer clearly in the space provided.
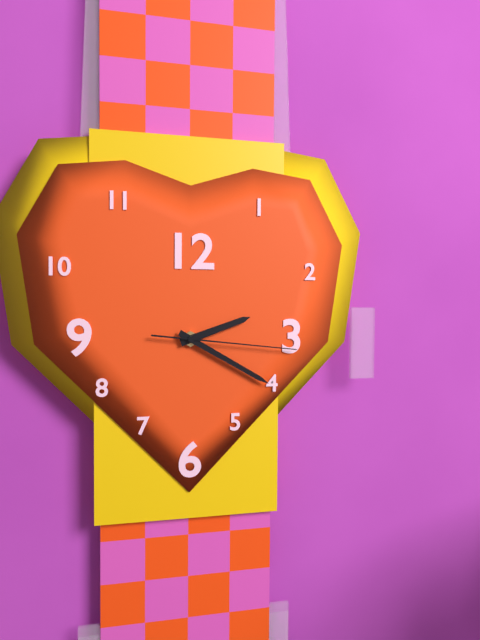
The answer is 2:20:16
